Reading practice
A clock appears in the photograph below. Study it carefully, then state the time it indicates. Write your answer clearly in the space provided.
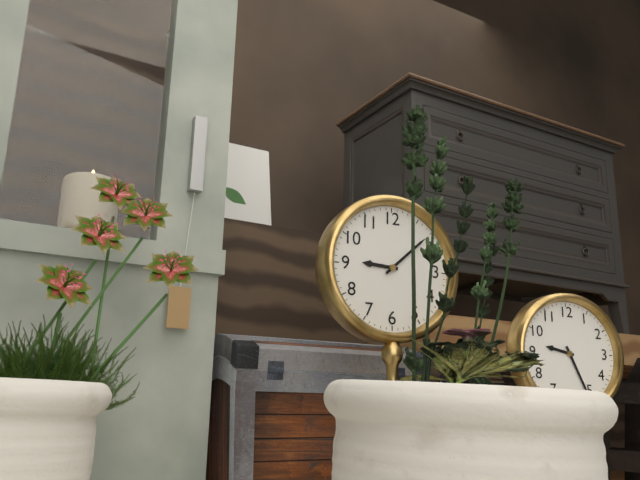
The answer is 9:08
